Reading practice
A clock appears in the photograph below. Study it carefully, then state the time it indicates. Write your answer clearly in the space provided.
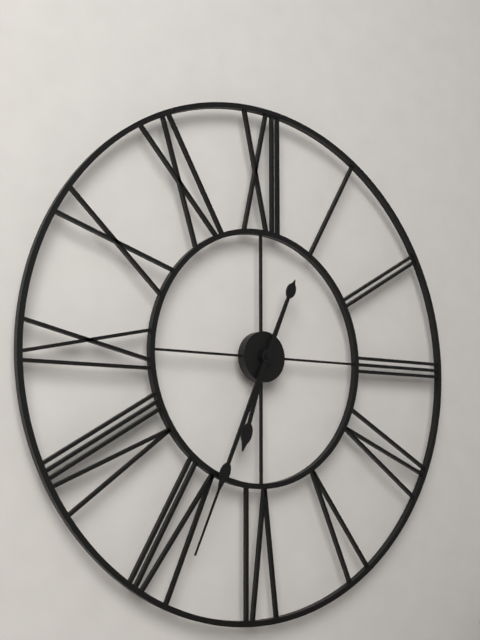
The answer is 6:34
